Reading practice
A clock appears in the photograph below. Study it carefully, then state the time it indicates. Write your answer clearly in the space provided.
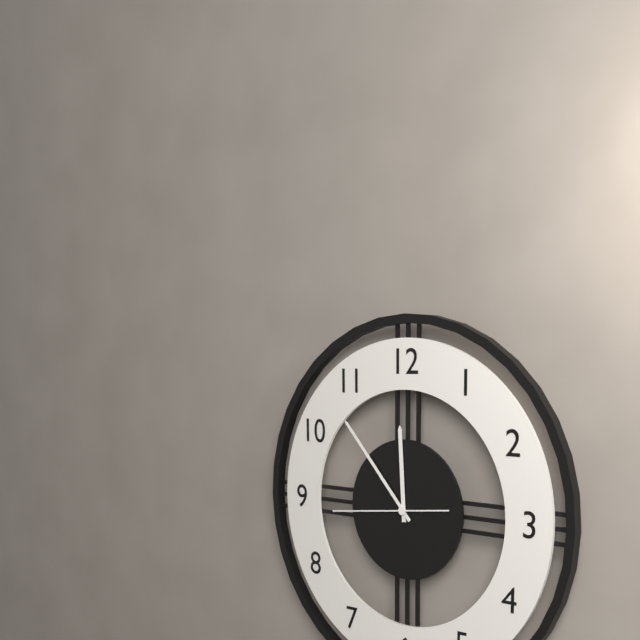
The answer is 11:53:44
